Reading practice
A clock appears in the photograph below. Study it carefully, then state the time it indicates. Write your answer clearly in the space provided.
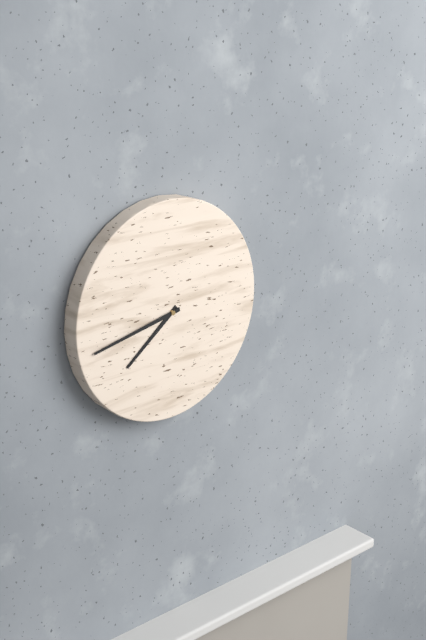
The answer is 7:43
